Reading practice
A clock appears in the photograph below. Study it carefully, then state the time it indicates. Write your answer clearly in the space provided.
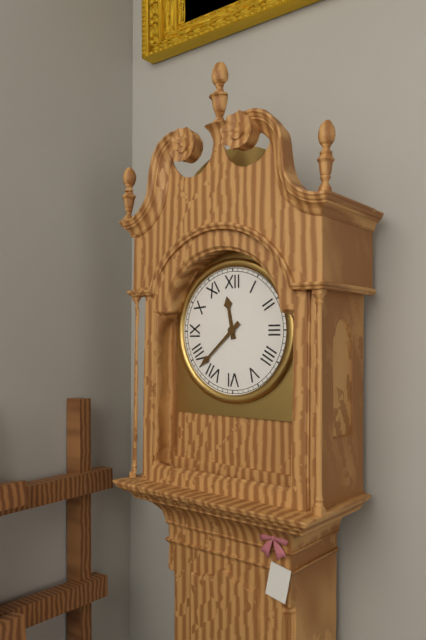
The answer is 11:38
